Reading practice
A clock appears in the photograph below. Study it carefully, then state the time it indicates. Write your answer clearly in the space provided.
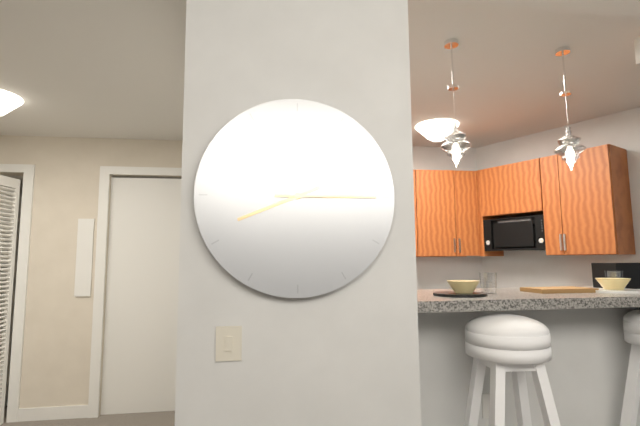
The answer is 8:15
